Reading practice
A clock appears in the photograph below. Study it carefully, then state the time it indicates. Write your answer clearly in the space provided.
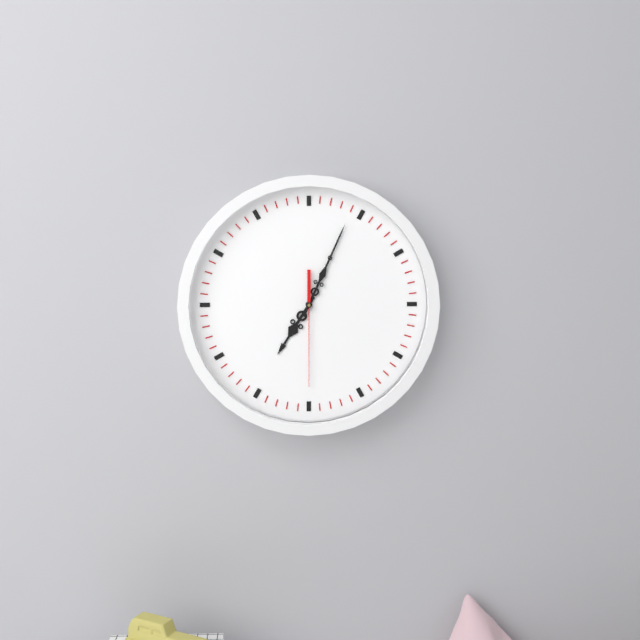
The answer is 7:04:30
